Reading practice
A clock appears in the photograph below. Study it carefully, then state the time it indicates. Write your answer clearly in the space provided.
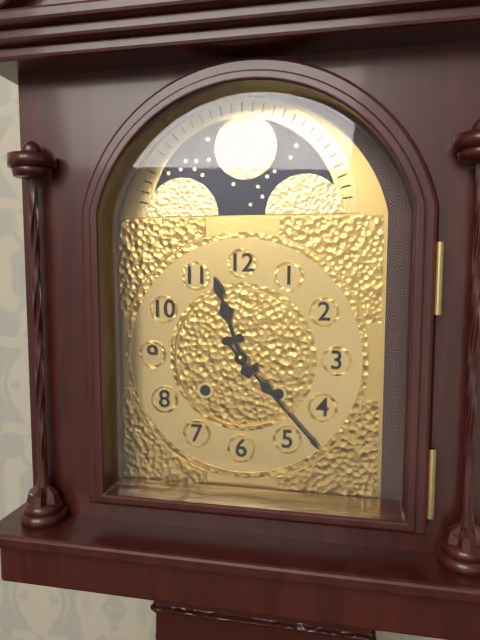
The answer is 11:23
